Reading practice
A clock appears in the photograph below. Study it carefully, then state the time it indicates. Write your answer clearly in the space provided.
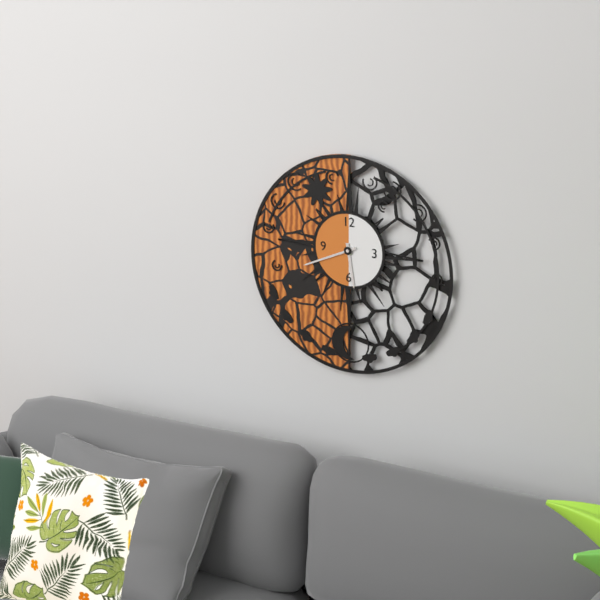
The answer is 5:41
